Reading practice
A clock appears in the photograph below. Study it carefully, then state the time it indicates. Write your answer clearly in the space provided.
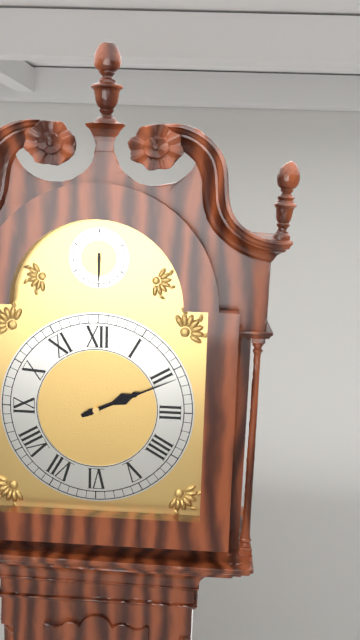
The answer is 2:11
